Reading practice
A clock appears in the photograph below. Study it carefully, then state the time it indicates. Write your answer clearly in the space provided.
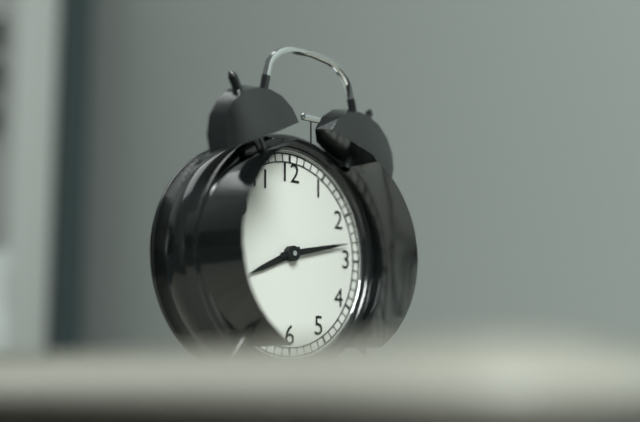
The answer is 8:13
